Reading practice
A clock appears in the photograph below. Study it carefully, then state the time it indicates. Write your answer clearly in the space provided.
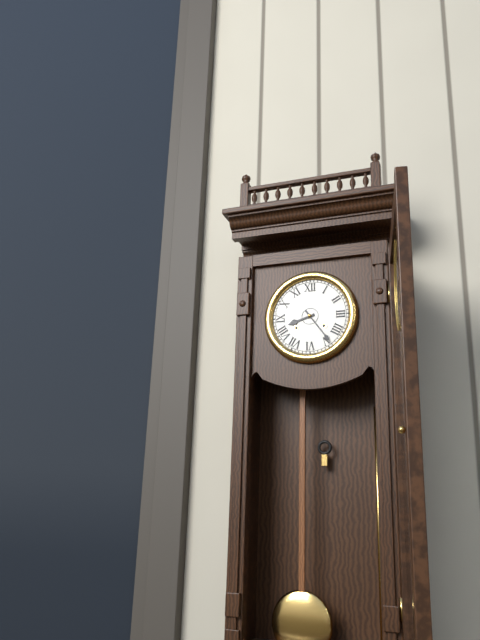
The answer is 8:24
